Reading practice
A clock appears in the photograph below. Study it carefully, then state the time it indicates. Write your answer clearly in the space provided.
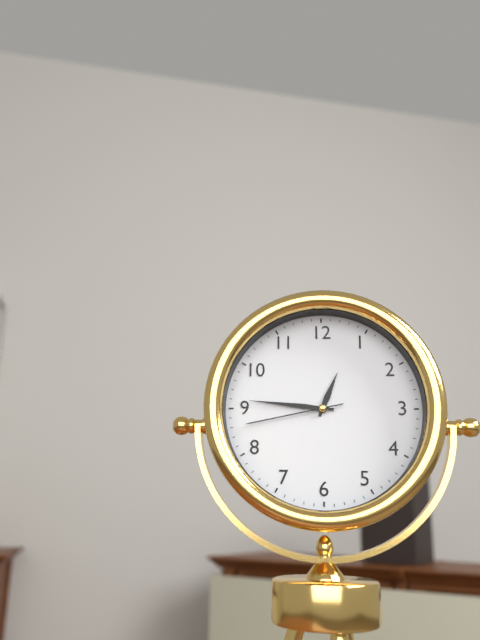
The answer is 12:46:43
